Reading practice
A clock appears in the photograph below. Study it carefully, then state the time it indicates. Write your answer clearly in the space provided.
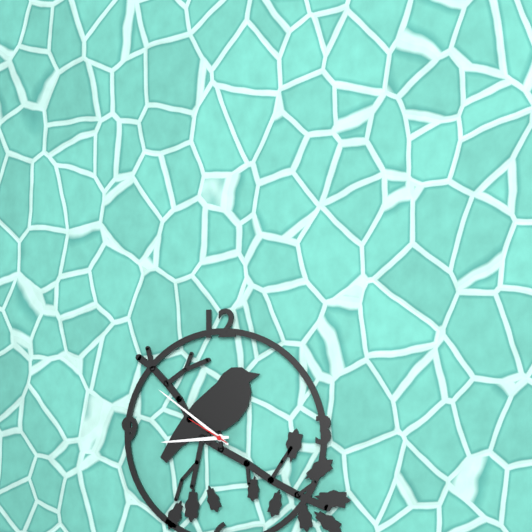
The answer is 8:51
